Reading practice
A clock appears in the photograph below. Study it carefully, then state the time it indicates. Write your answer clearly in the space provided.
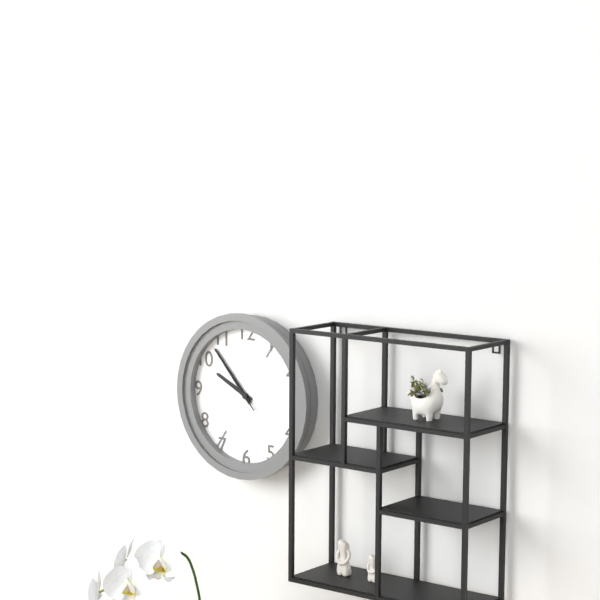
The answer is 9:53:53
